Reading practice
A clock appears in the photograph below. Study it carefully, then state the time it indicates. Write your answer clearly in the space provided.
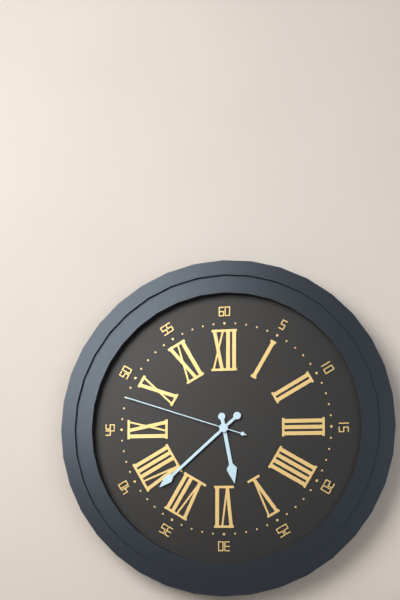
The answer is 5:38:48
